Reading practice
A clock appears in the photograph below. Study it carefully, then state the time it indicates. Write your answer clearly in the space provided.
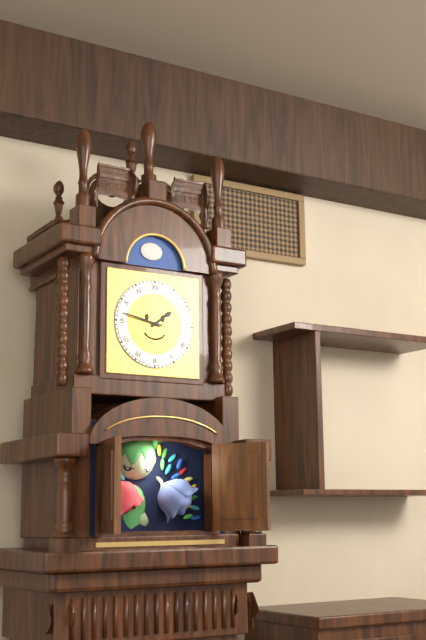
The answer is 1:47
